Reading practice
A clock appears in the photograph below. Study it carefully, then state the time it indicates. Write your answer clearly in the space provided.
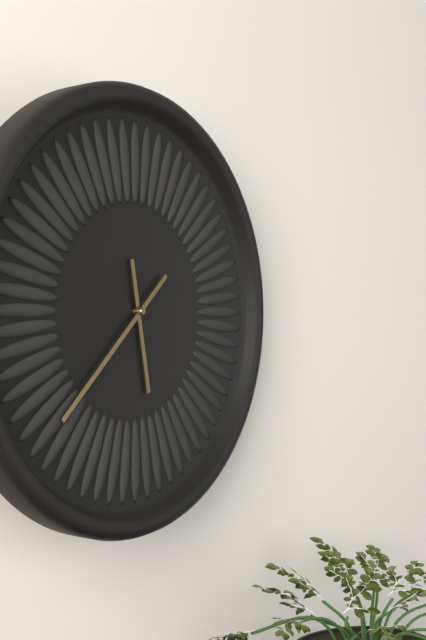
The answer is 5:38
